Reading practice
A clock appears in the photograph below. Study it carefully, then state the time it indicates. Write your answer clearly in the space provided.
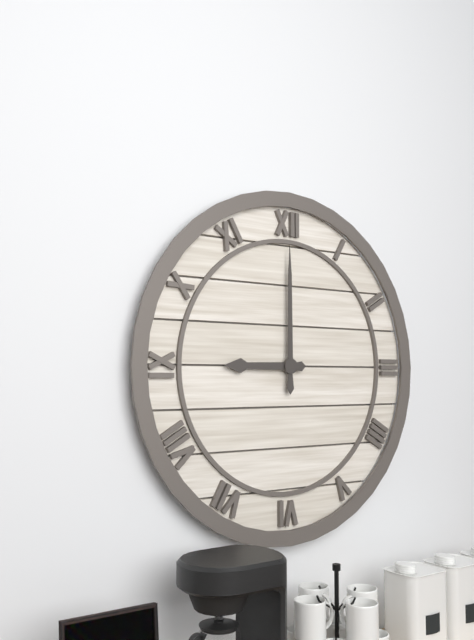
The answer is 9:00
